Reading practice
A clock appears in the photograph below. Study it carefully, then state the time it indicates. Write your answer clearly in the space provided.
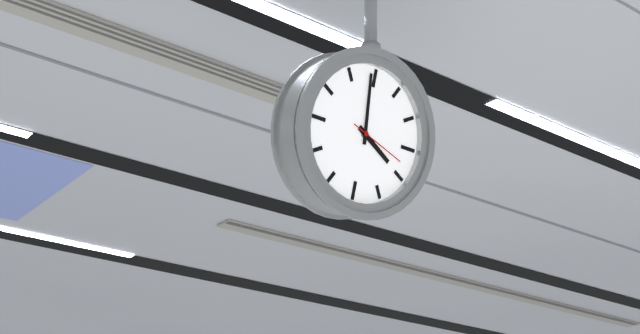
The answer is 3:59:18
